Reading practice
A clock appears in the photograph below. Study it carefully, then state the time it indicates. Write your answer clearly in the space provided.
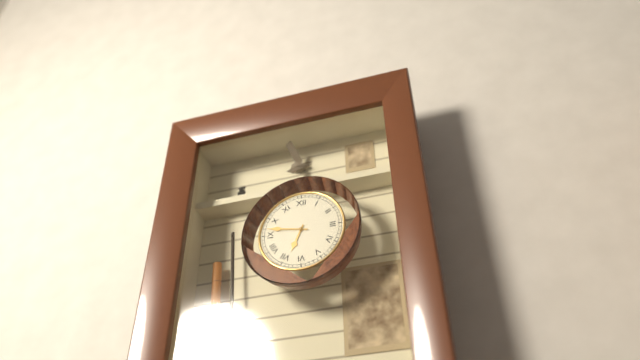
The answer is 6:47
